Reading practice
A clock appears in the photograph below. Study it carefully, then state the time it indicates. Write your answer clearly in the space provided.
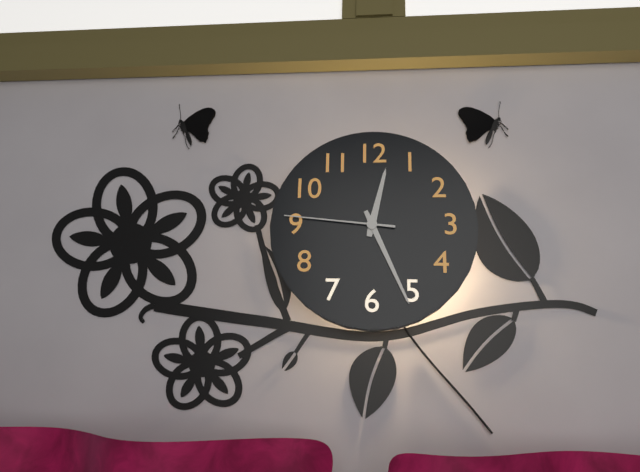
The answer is 12:26:46
